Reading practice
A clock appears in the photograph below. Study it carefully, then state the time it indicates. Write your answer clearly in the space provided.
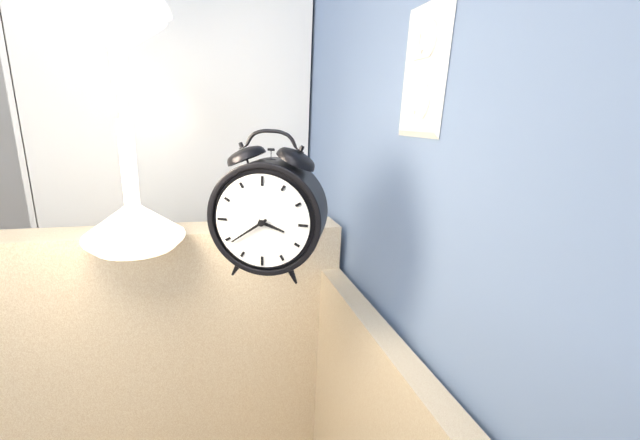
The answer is 3:39
